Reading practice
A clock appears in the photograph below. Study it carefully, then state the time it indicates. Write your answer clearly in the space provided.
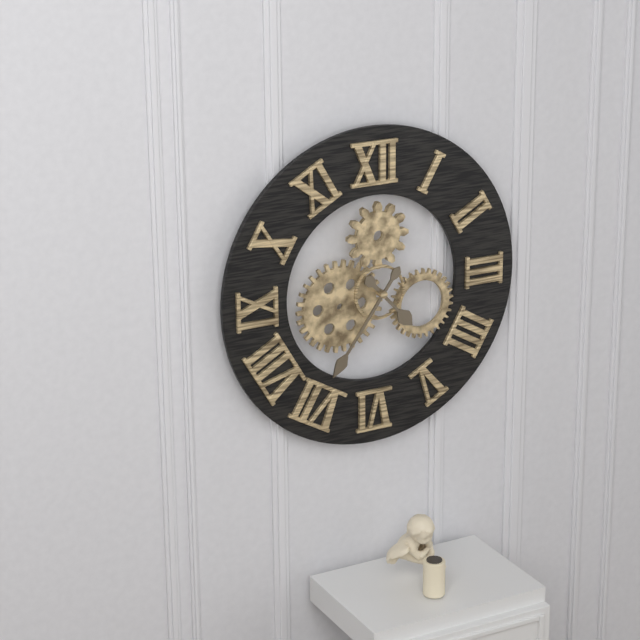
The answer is 4:36
